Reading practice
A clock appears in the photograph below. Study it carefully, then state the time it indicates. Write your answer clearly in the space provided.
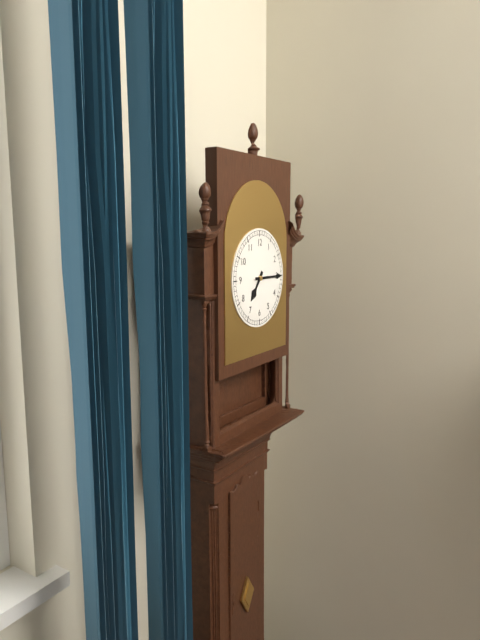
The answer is 7:15
